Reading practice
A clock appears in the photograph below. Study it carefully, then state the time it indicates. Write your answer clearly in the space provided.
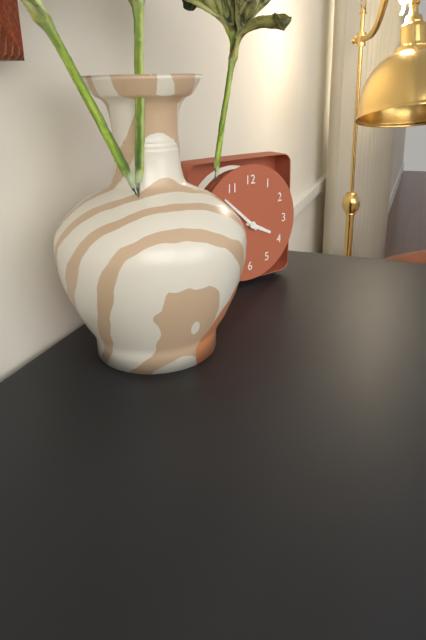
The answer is 3:52
